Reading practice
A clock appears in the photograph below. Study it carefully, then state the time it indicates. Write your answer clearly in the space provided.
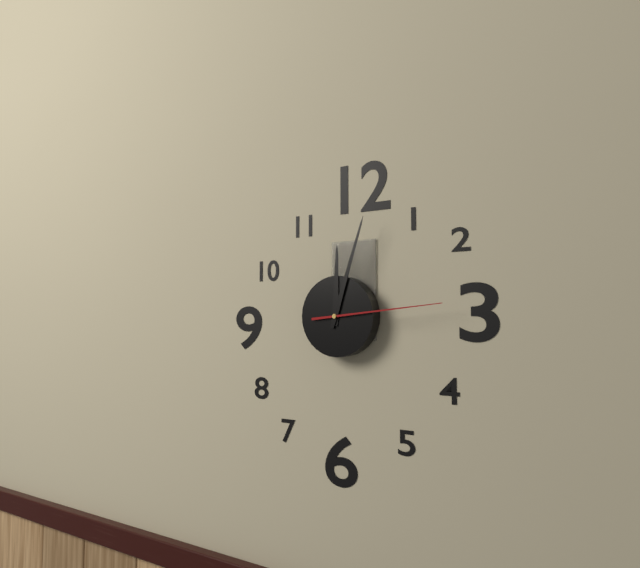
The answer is 12:03:14
